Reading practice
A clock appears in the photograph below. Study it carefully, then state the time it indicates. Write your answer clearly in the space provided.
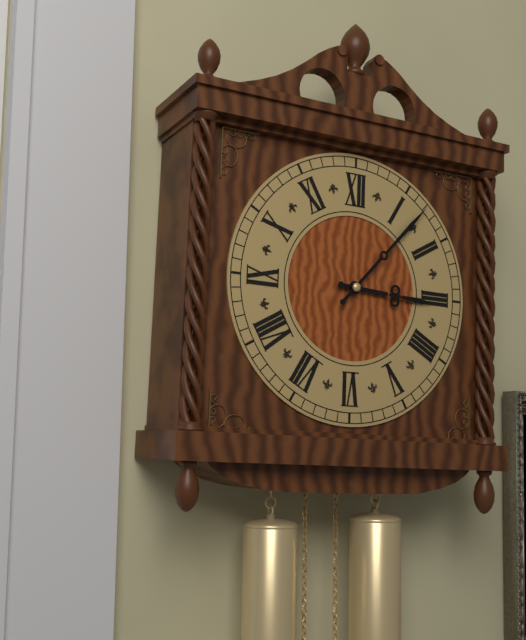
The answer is 3:07
